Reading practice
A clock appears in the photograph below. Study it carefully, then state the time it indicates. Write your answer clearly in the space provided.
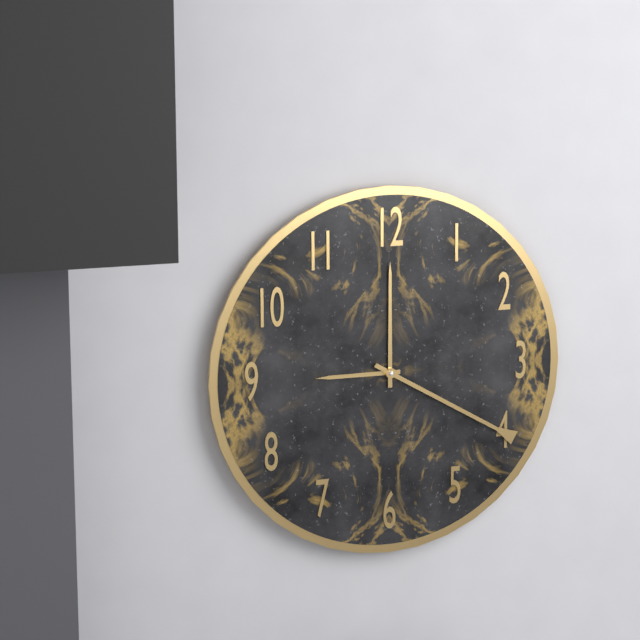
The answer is 9:00:20
